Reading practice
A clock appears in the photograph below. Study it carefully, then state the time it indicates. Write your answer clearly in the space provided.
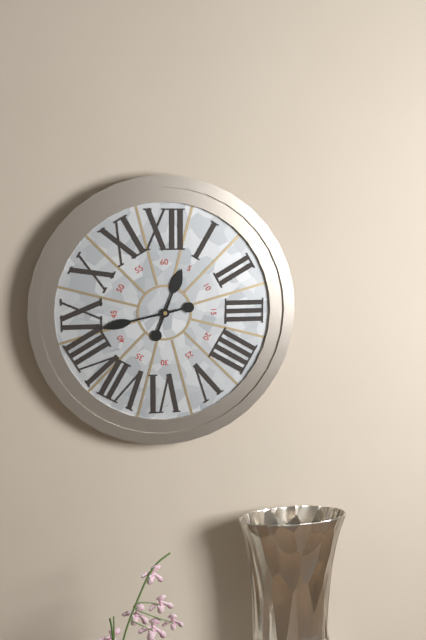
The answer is 12:43
